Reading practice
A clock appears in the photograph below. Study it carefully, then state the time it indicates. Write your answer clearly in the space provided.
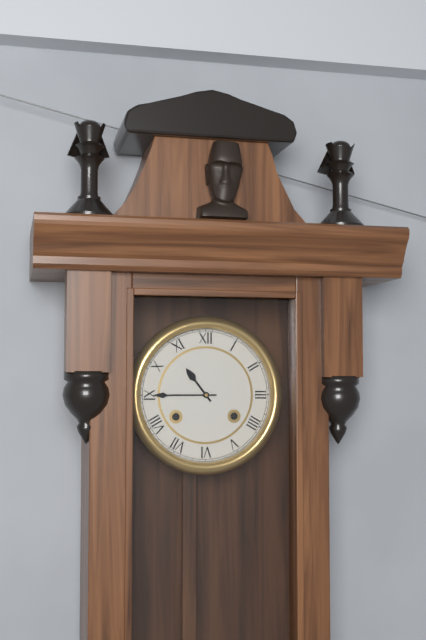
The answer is 10:45
